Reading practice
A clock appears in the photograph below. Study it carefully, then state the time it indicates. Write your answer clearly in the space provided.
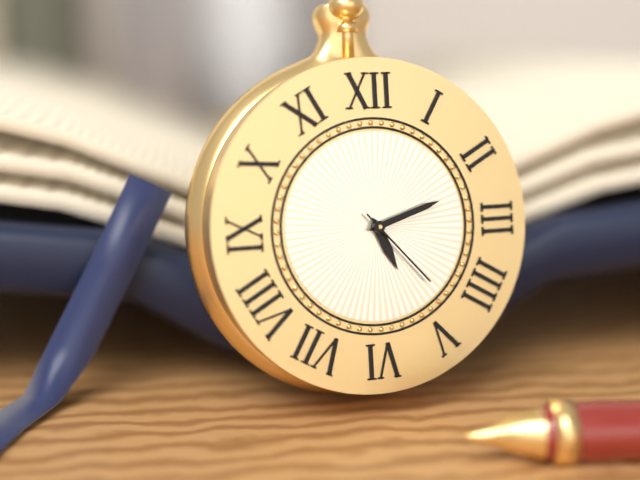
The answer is 5:12:23
